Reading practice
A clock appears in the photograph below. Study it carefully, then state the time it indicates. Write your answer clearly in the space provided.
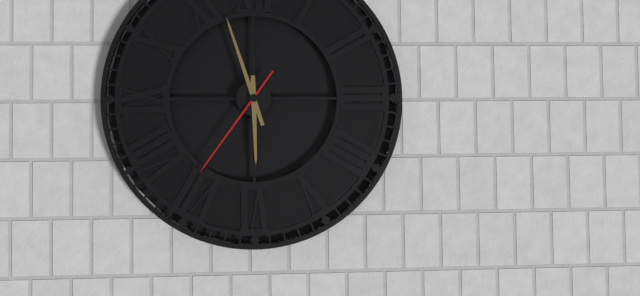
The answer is 5:57:36
